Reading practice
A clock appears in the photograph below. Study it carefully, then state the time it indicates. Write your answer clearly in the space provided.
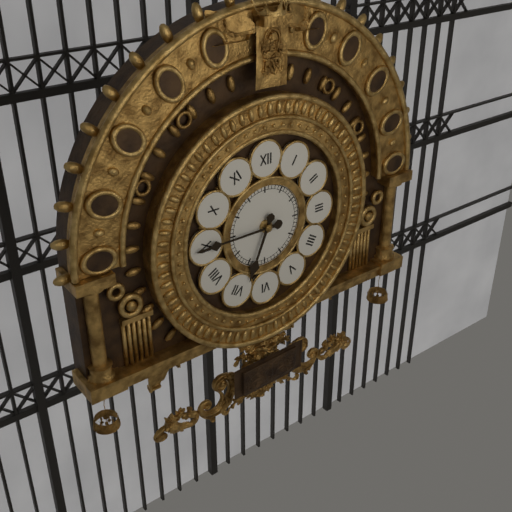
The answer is 6:45
